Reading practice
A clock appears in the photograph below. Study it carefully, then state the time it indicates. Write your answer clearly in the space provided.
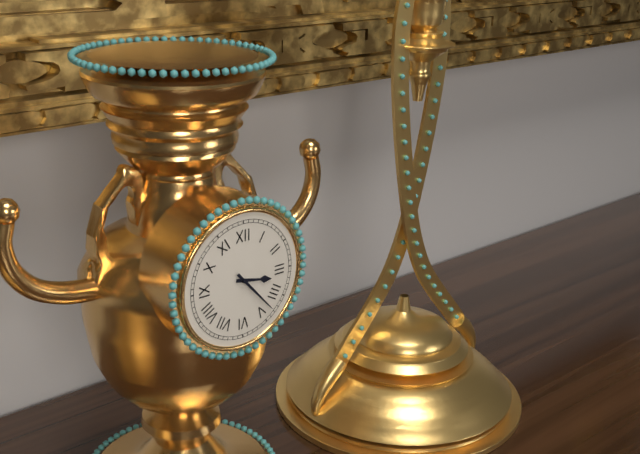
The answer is 3:23
